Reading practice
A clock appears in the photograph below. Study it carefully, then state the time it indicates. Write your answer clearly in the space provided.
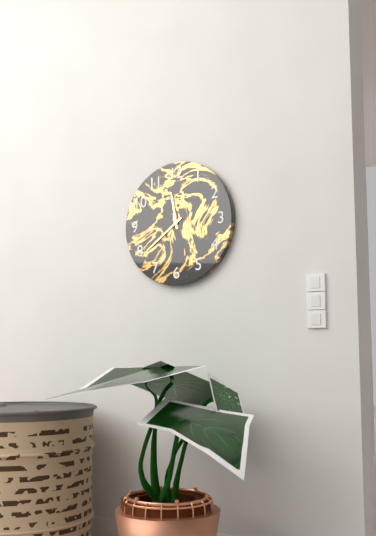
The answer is 11:39
